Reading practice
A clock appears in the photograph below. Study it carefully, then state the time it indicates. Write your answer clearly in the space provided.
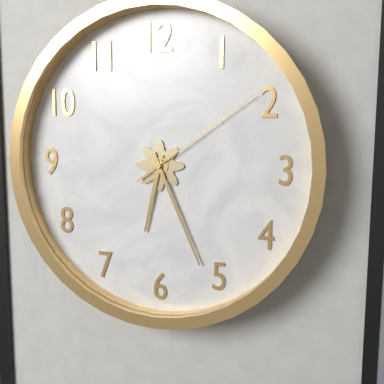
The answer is 6:26:09
